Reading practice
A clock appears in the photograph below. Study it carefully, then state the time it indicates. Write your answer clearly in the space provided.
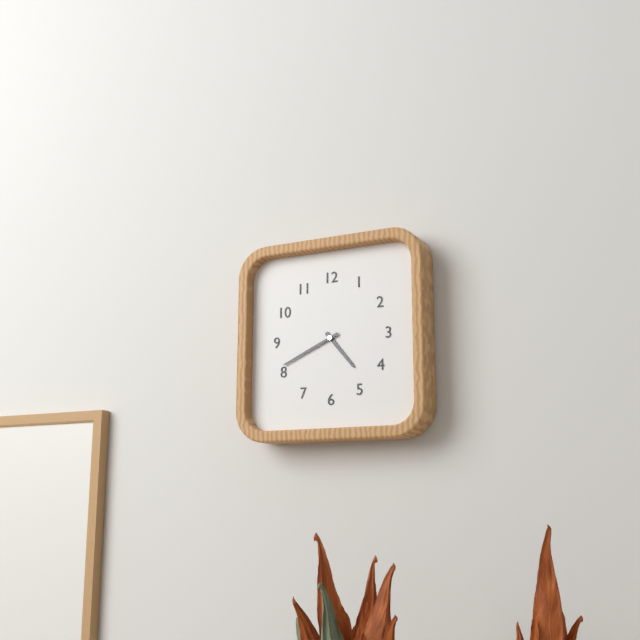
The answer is 4:41
